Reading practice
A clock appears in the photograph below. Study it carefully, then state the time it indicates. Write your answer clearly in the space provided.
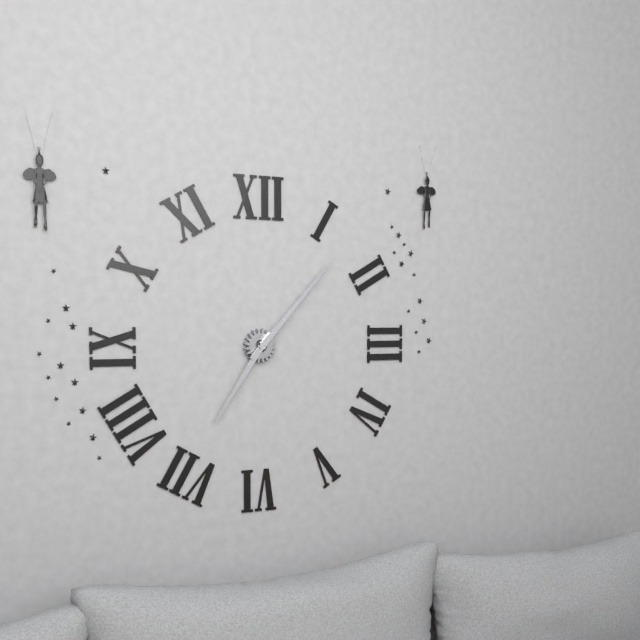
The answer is 7:07
